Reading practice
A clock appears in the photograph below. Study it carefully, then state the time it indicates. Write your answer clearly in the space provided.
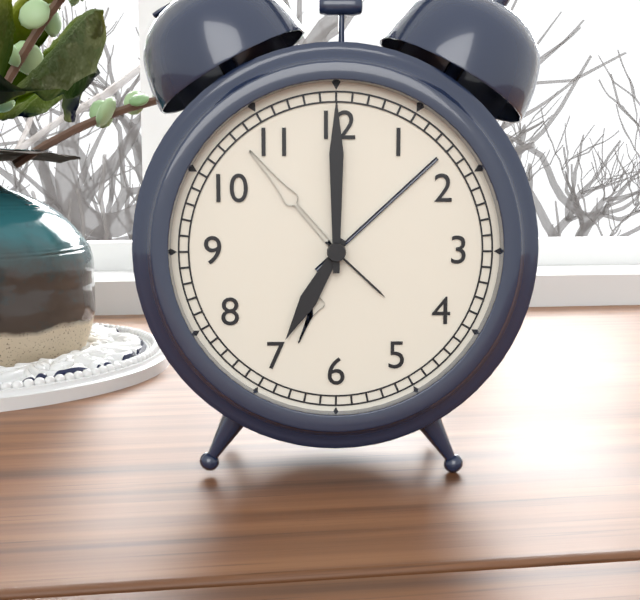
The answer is 7:00
